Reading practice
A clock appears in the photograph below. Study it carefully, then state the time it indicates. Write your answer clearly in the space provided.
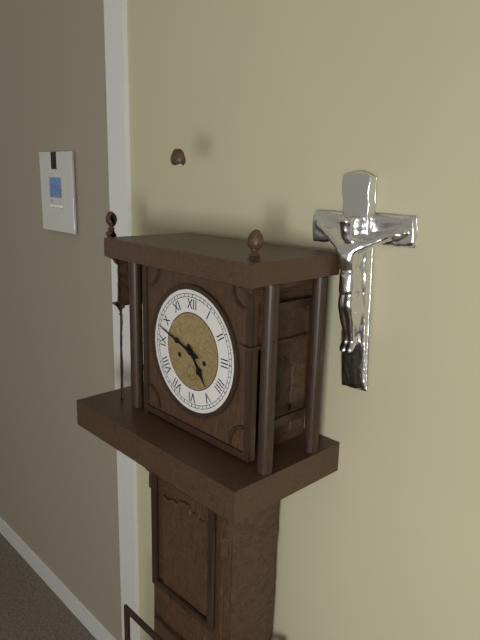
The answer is 4:48
